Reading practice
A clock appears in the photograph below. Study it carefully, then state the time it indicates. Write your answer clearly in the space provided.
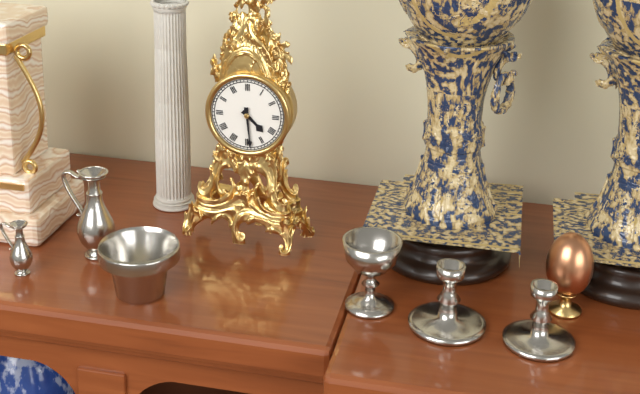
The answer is 4:29
